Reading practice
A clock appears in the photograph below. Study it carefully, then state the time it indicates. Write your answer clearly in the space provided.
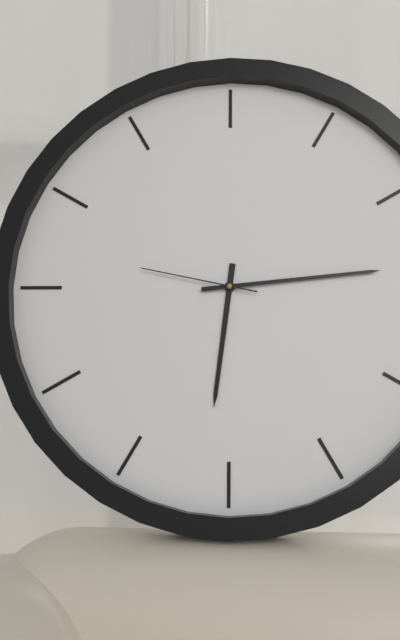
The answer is 6:14:47
